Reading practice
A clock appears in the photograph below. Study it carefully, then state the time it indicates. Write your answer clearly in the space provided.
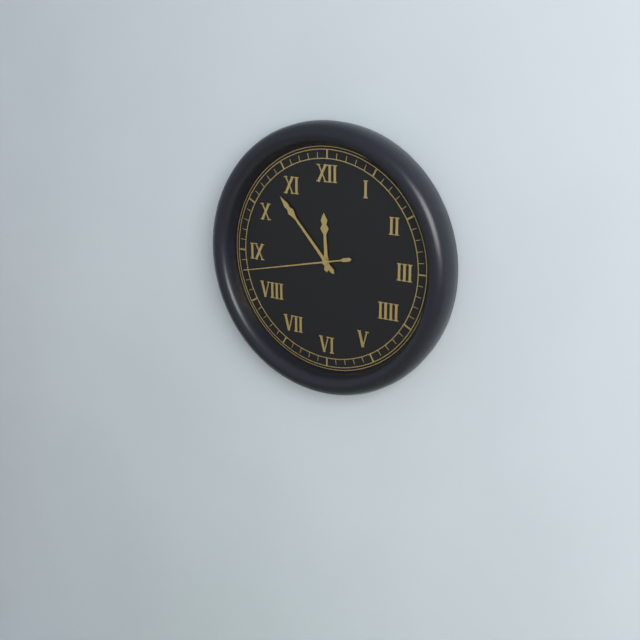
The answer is 11:53:43
